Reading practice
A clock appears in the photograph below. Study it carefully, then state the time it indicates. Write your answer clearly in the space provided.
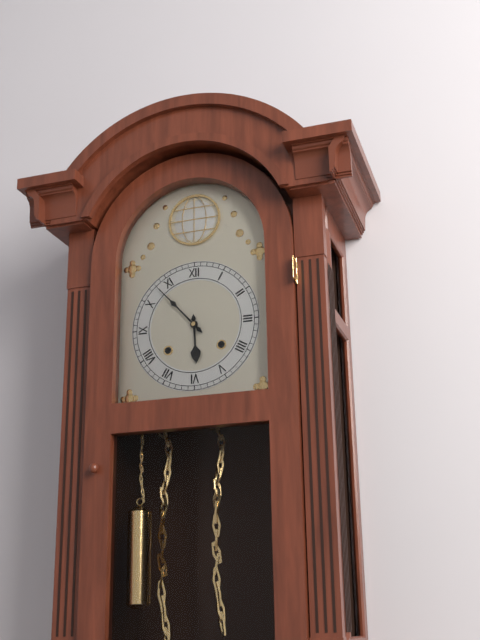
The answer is 5:53
